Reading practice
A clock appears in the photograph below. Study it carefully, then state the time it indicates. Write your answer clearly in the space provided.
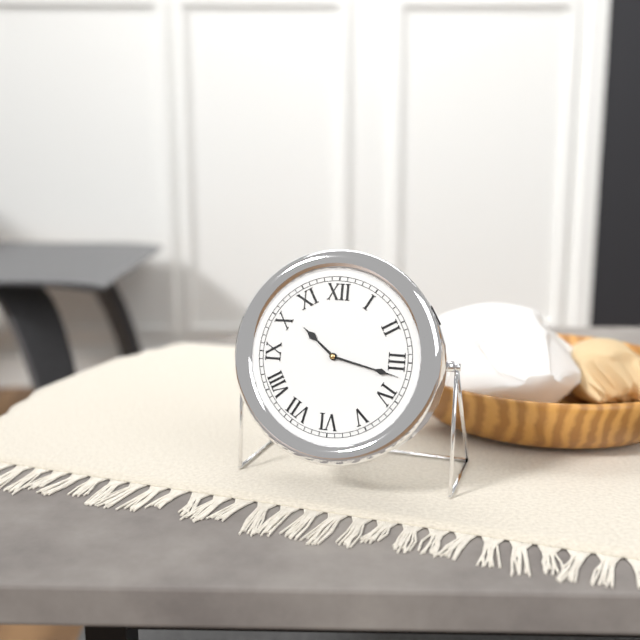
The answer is 10:17
